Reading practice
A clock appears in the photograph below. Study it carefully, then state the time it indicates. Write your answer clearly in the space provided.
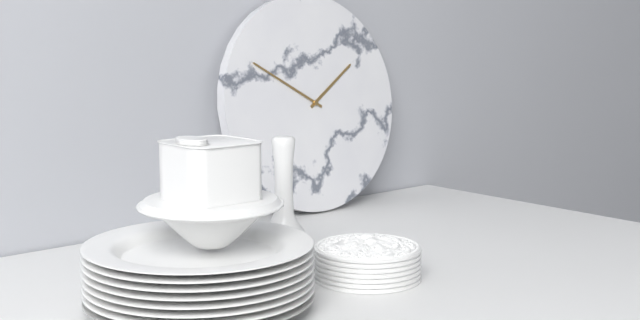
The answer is 1:50
